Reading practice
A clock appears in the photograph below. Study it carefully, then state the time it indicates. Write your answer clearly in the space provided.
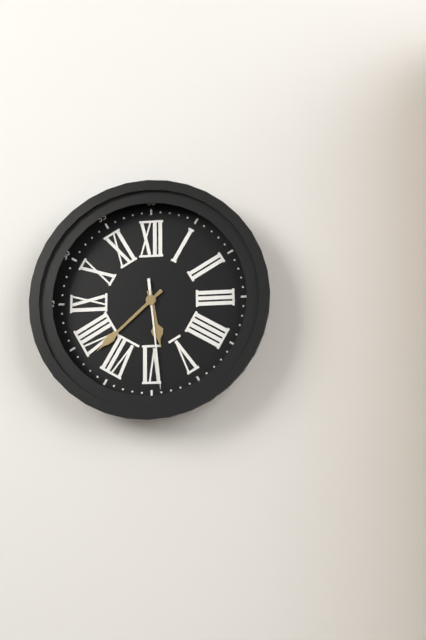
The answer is 5:38:29
